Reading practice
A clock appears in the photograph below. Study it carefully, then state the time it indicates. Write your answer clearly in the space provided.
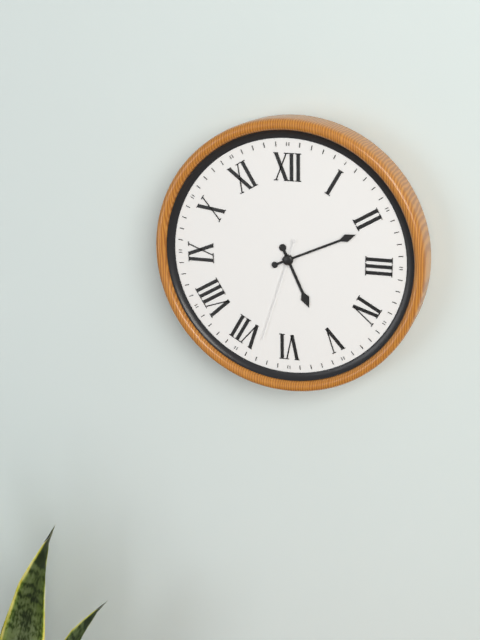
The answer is 5:11:33
